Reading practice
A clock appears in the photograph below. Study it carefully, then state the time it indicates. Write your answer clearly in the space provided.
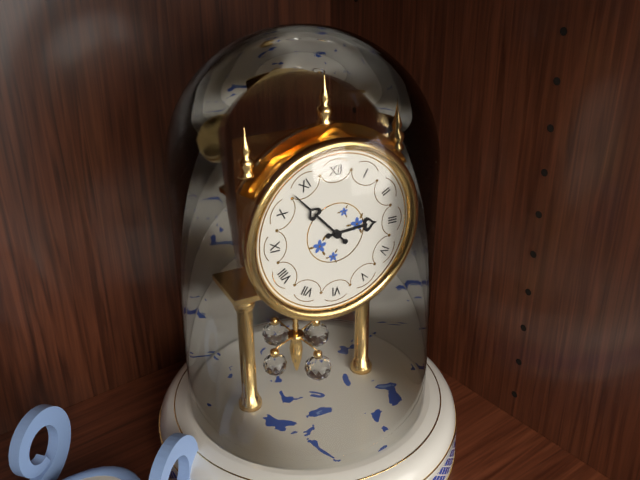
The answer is 2:53
